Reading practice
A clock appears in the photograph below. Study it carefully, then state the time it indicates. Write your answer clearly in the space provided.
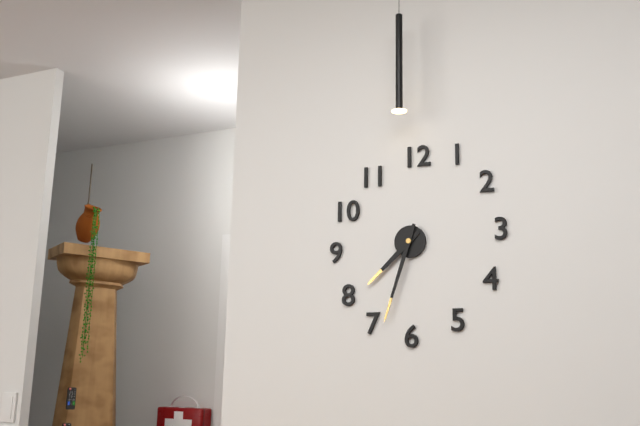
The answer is 7:33
